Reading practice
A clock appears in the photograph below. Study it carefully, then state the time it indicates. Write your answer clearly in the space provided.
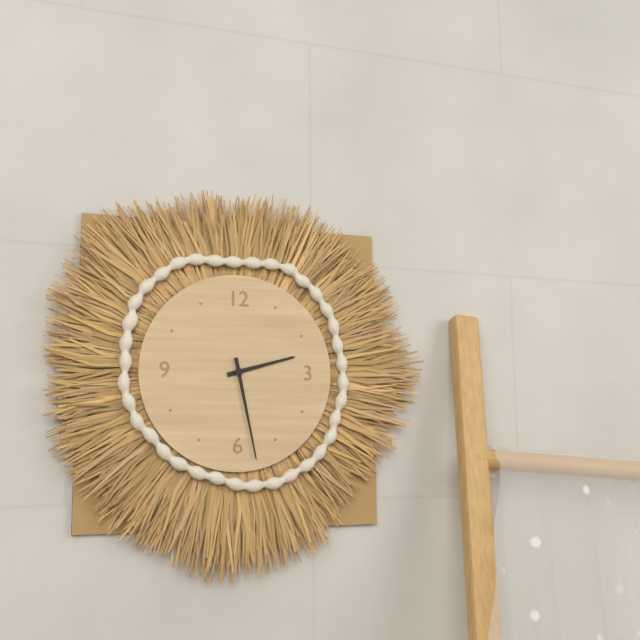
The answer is 2:28
